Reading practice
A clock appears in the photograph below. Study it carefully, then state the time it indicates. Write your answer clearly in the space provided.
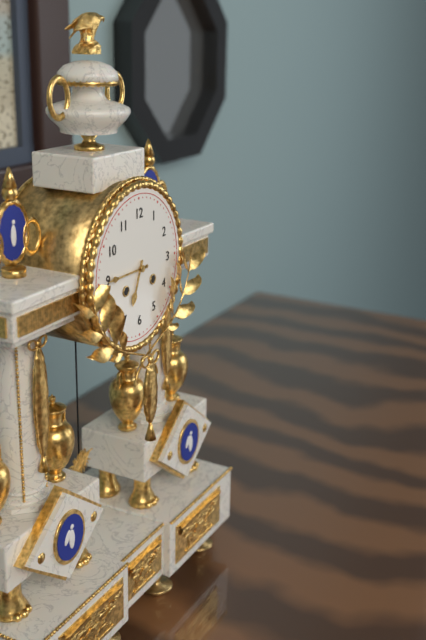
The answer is 6:45
